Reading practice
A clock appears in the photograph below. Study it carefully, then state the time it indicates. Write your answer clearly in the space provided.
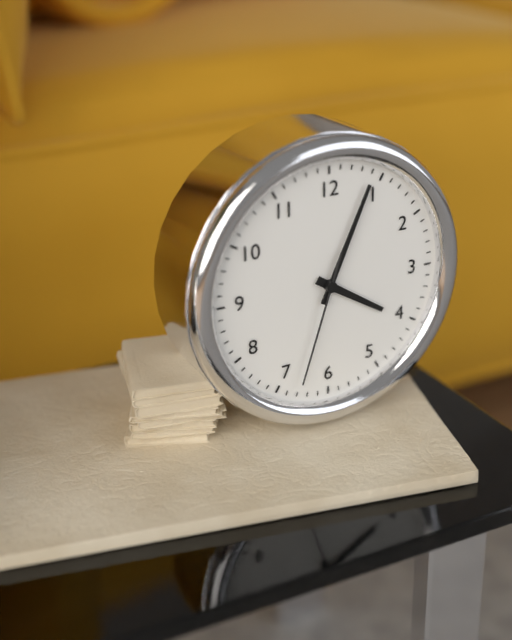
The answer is 4:04:33
